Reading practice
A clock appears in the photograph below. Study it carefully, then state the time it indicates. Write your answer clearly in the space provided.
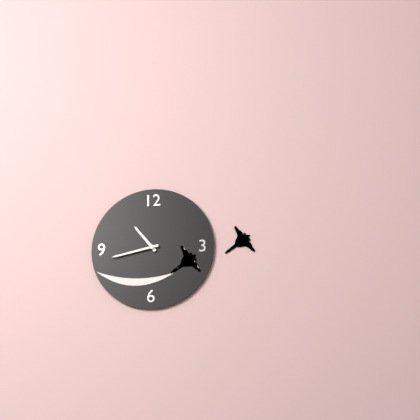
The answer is 10:43
